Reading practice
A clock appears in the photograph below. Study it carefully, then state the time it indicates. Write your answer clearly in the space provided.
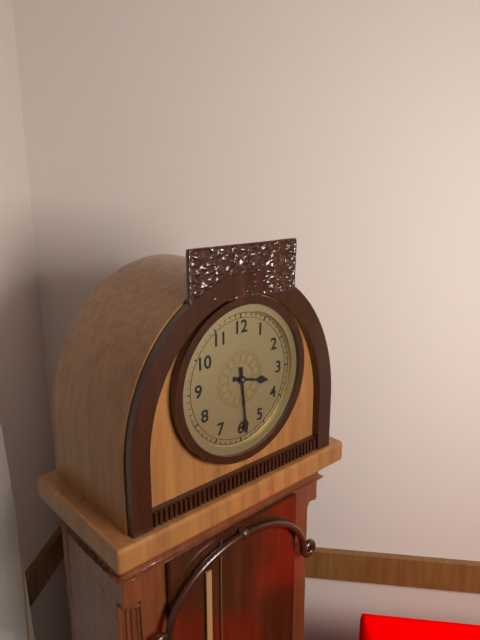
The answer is 3:29
